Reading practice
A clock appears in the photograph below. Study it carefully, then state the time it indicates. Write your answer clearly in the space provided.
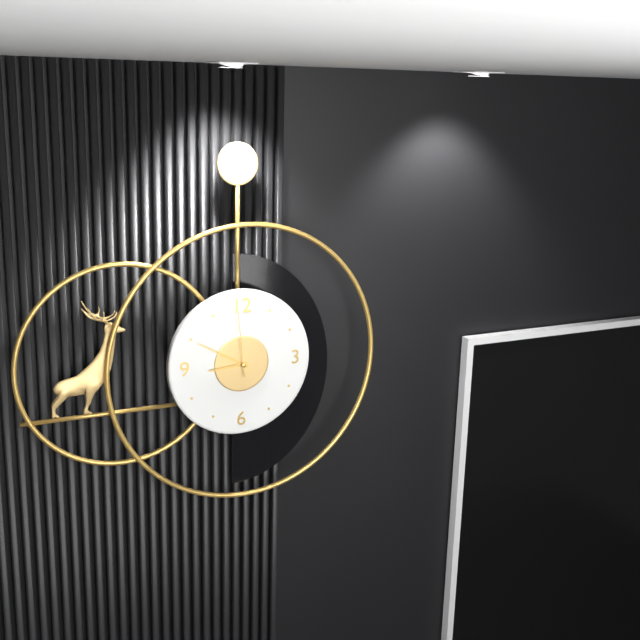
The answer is 8:50:59
